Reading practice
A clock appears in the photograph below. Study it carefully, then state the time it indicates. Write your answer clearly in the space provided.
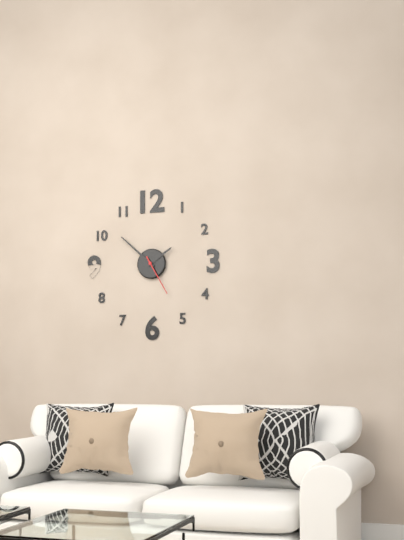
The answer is 1:52
